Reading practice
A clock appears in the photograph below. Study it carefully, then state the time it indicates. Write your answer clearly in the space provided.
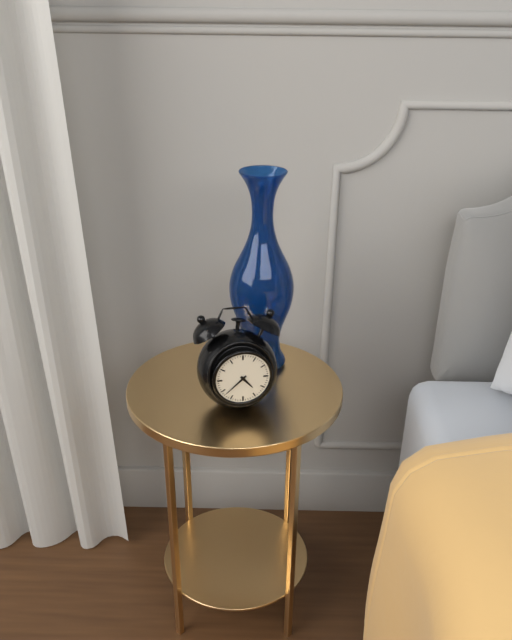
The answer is 4:38
